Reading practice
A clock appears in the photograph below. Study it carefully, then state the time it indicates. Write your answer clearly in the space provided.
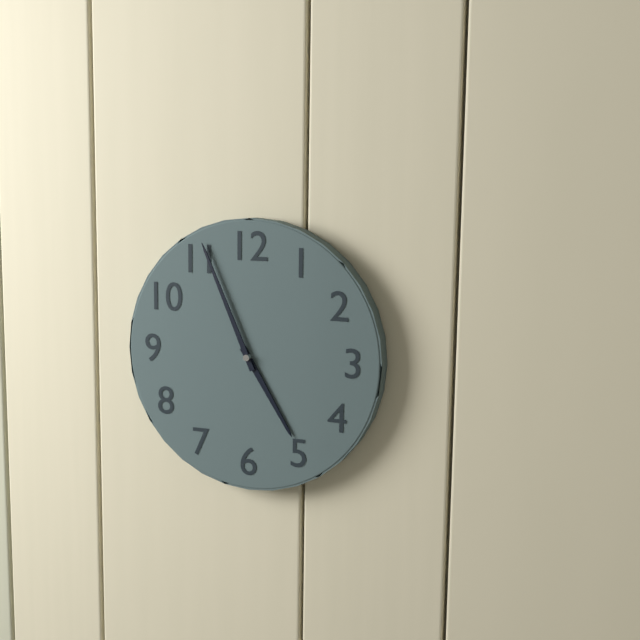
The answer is 4:56
